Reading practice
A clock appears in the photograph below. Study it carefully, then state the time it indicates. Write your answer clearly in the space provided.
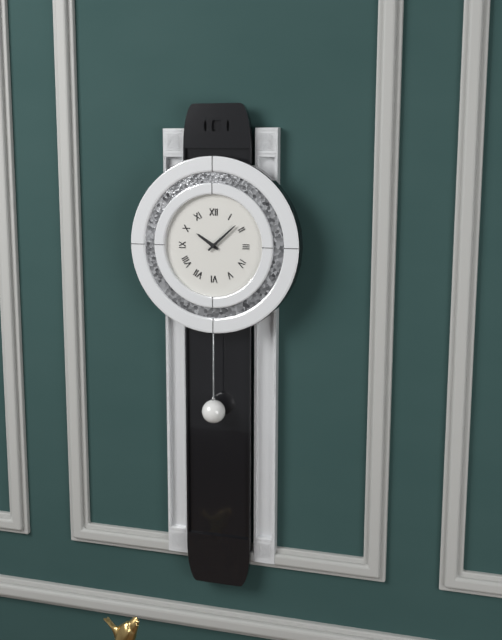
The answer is 10:08
